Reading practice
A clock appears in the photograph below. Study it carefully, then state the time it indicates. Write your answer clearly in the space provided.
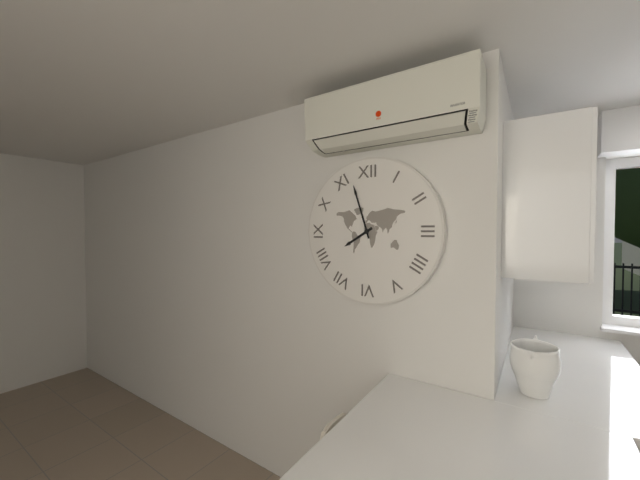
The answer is 7:57
